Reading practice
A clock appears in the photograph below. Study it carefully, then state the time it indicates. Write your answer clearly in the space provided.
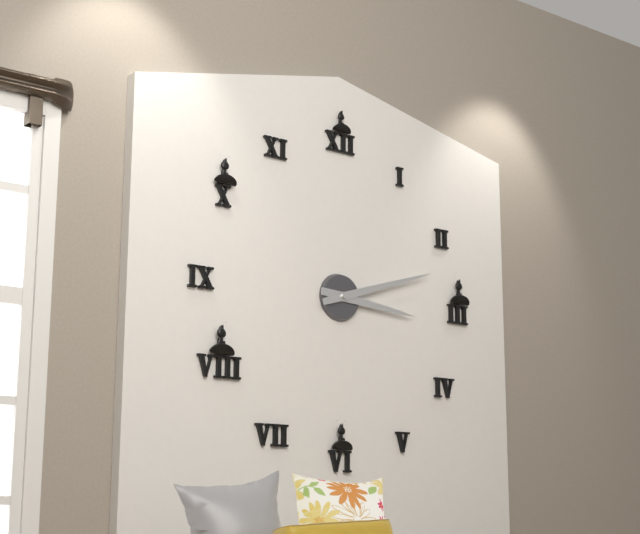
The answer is 3:12
